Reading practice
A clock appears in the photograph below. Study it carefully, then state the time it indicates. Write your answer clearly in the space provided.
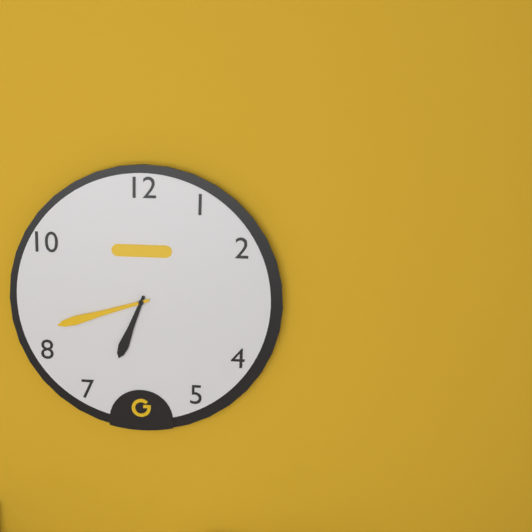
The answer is 6:42
